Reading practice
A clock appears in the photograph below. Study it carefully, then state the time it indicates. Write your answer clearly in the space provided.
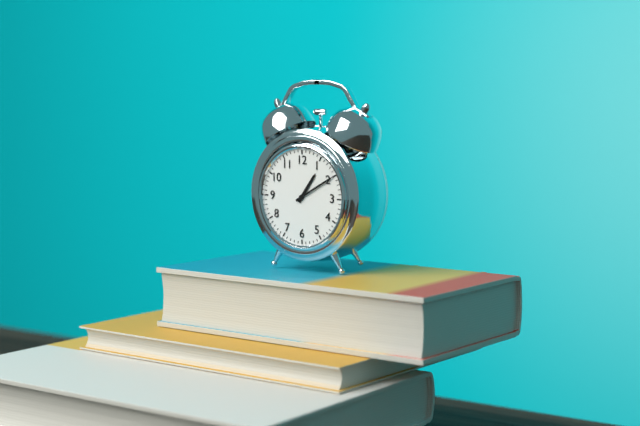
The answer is 1:10
